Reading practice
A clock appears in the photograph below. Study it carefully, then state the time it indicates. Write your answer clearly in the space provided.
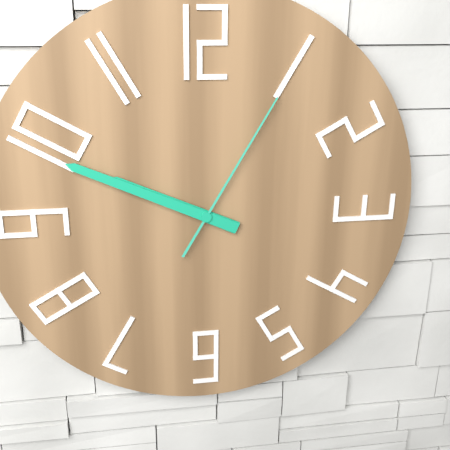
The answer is 9:49:05
